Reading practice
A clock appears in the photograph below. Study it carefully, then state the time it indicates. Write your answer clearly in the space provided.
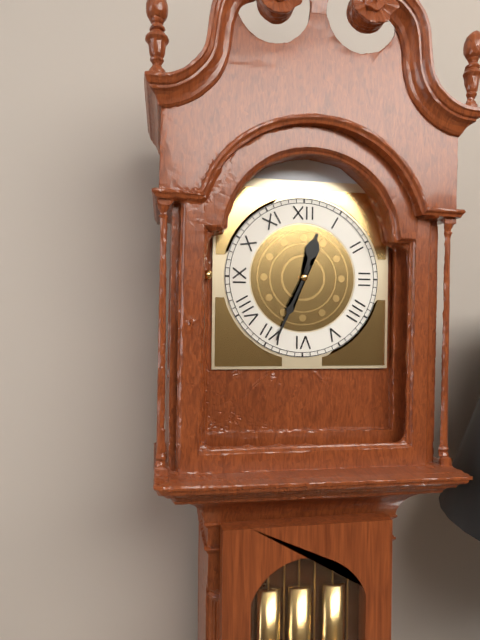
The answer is 12:34
